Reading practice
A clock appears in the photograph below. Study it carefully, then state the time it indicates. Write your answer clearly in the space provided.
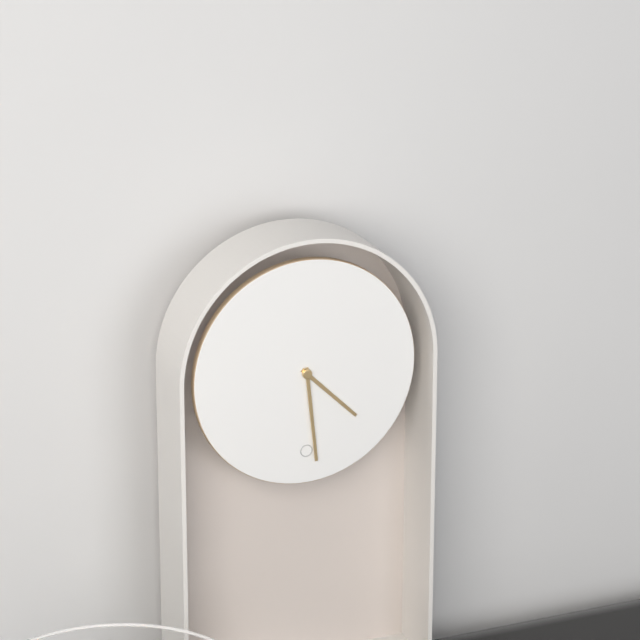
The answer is 4:29
